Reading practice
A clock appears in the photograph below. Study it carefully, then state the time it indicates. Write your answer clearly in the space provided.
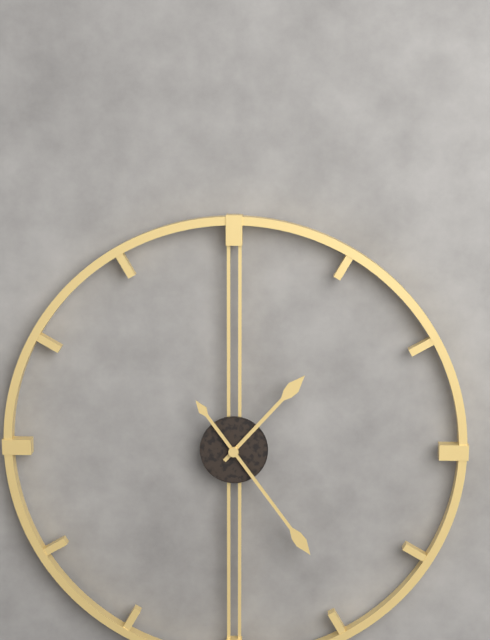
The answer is 1:24
